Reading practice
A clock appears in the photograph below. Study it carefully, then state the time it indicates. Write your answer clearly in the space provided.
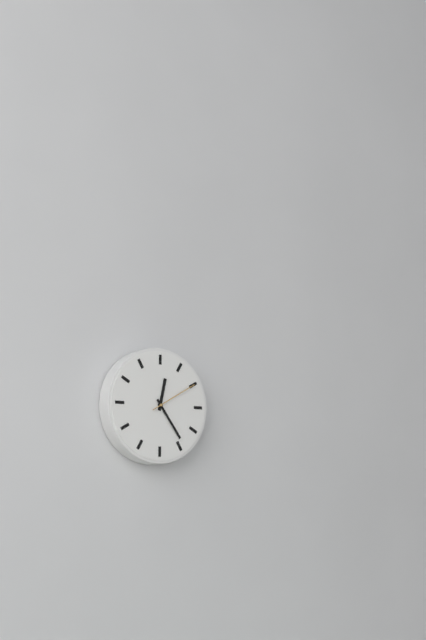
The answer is 12:24
